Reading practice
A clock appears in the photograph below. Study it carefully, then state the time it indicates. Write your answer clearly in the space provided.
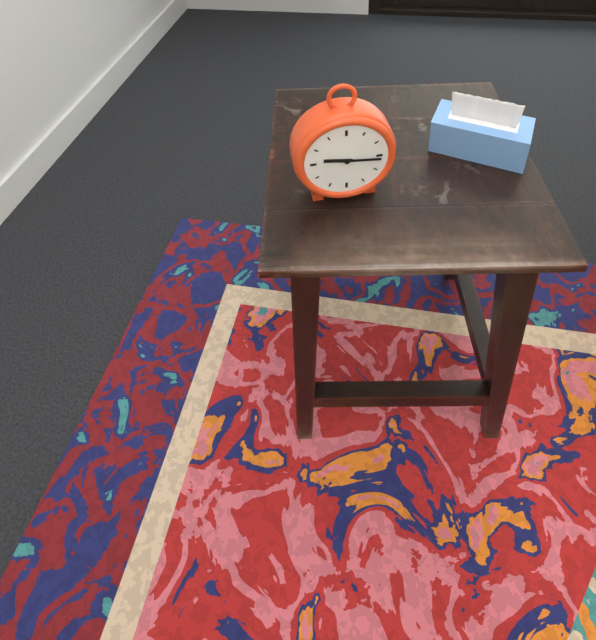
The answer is 9:16
